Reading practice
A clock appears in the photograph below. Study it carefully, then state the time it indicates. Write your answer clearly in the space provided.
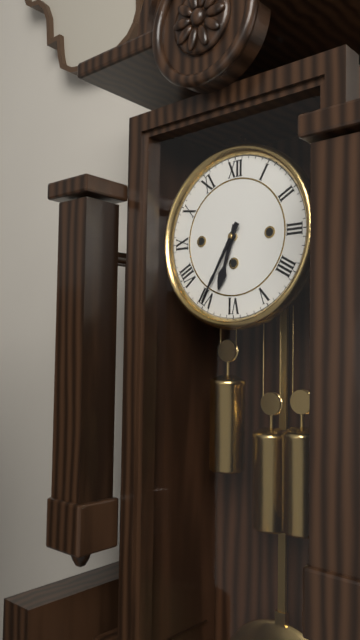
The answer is 6:35
